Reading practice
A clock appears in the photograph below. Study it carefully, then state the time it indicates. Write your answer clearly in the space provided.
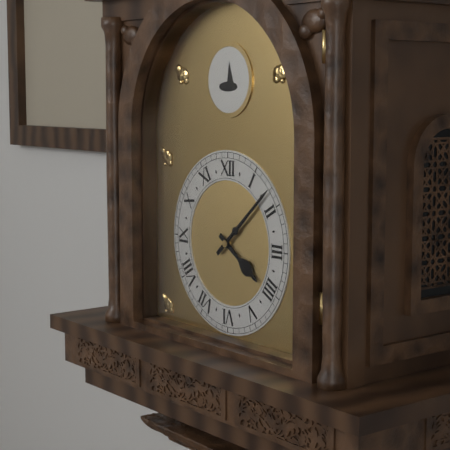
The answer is 4:08
